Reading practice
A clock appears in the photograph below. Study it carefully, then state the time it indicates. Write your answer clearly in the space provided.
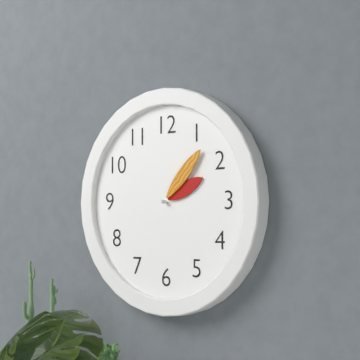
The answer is 2:07
